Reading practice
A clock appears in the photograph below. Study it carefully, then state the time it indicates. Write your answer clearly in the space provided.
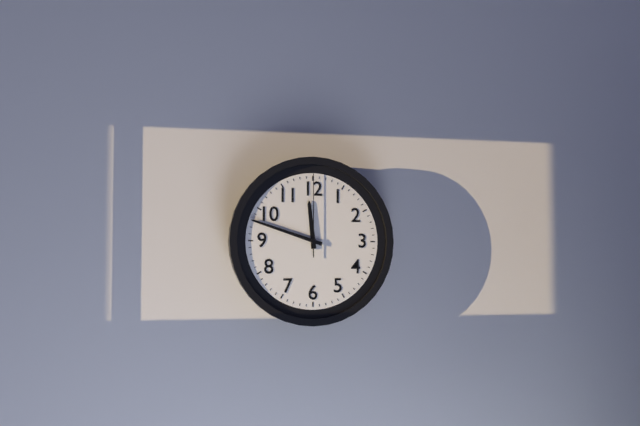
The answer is 11:48:00
